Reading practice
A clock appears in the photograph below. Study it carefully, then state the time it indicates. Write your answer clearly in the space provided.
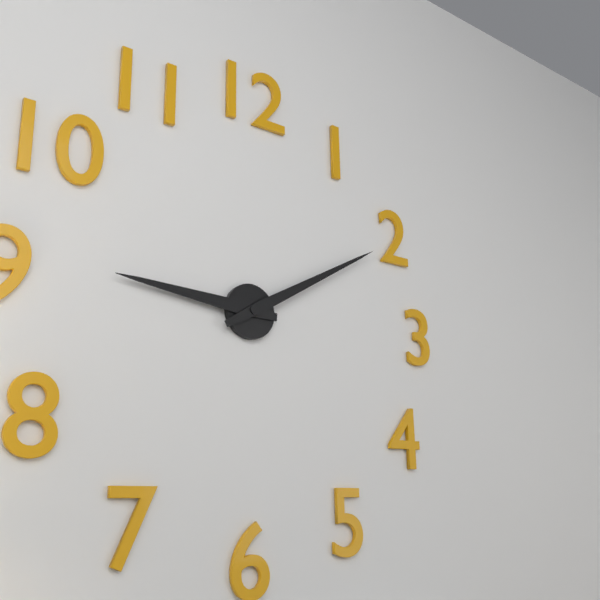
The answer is 9:10
